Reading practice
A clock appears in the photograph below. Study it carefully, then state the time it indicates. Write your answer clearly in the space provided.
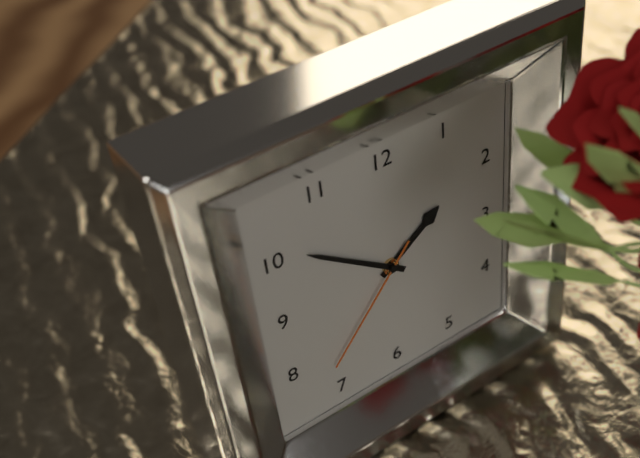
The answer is 1:51:37
